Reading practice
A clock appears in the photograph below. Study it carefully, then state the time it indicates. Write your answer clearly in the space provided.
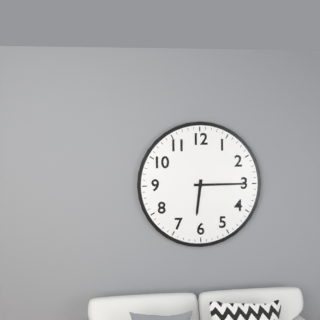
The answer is 6:15
